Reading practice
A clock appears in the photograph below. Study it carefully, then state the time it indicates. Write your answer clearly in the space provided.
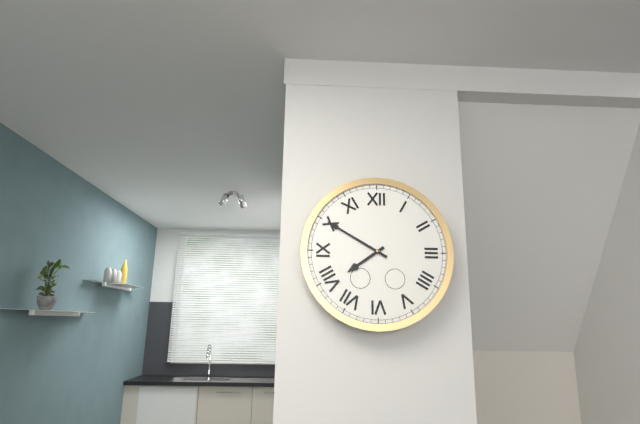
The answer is 7:50
